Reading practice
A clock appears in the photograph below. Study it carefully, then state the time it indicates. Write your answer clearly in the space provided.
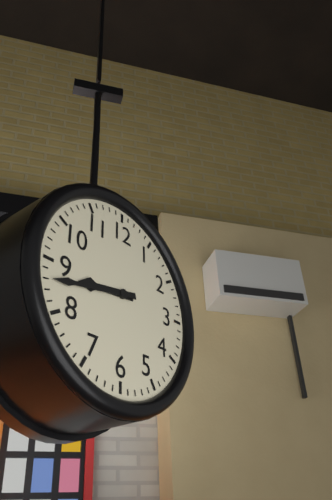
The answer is 8:43
